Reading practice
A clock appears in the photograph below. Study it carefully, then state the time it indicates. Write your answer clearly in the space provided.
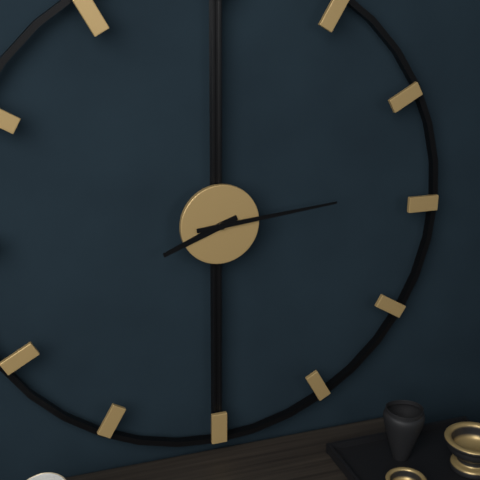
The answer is 8:14
